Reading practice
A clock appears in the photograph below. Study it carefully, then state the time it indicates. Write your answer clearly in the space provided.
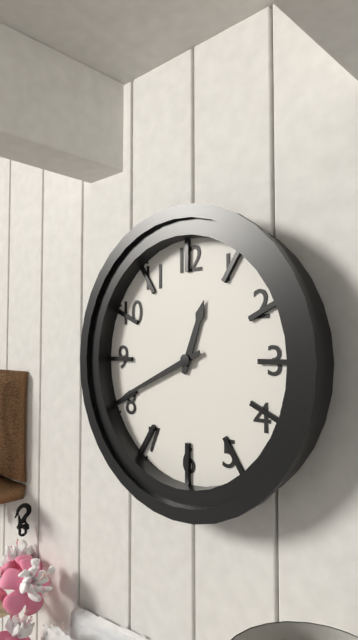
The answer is 12:41
